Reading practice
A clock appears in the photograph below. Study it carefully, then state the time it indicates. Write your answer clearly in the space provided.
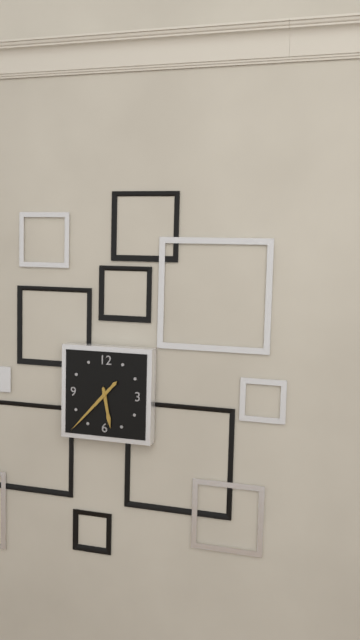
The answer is 5:37
